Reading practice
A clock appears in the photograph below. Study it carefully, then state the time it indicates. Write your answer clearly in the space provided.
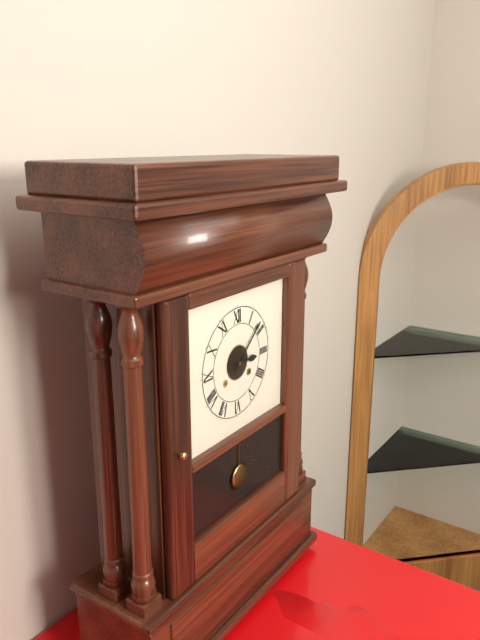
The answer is 3:08
